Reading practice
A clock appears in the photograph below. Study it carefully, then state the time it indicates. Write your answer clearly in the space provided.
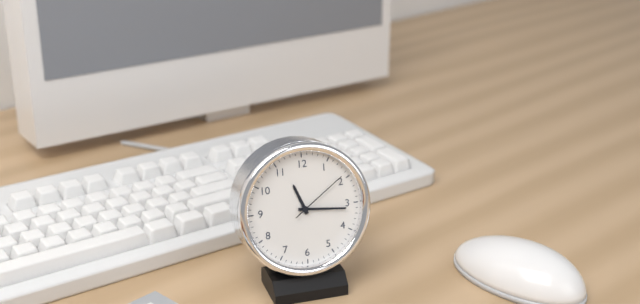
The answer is 11:16:09
